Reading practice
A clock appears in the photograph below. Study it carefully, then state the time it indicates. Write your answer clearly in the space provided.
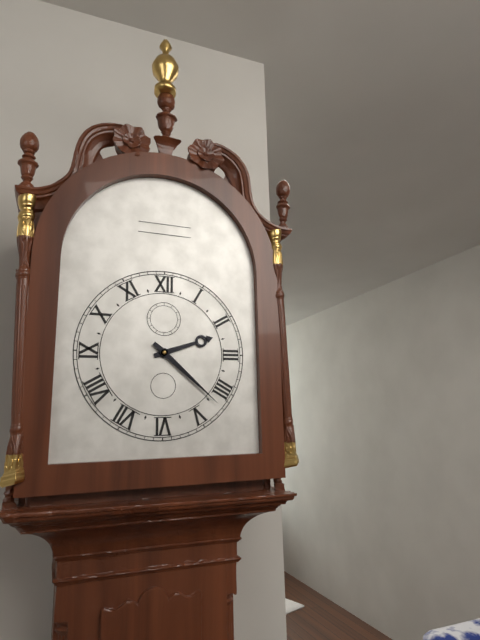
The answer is 2:22
